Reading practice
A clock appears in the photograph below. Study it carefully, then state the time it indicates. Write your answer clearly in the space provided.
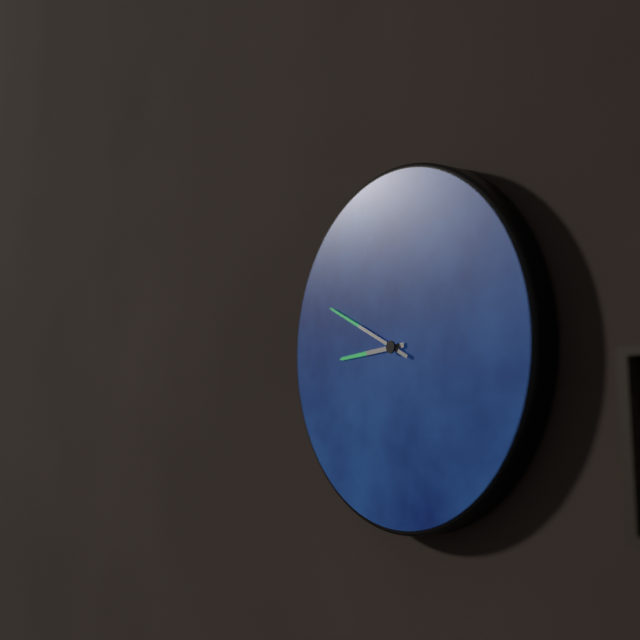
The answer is 8:49
